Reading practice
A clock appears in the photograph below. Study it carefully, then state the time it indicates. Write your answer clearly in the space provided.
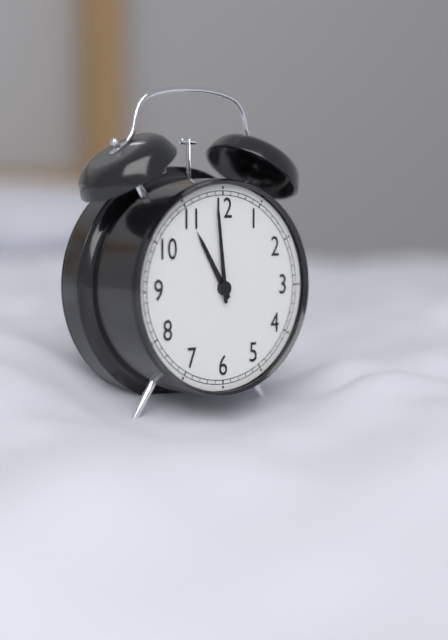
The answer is 10:59
